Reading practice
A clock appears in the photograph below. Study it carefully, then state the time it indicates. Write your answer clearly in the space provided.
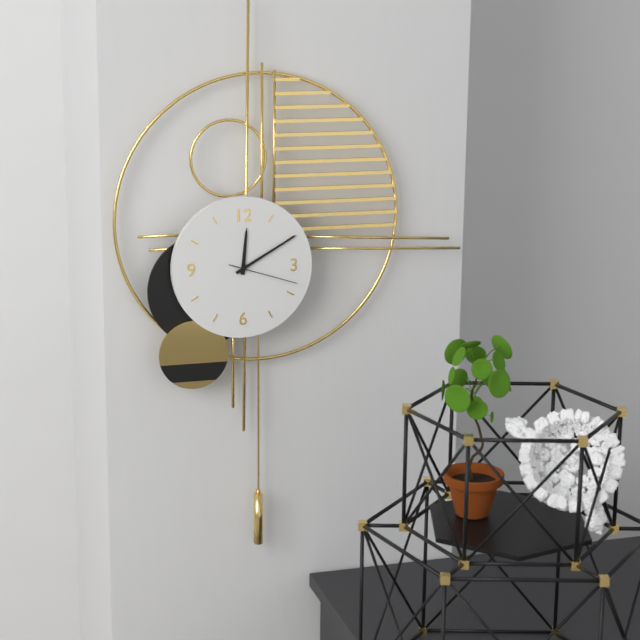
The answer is 12:10:18
